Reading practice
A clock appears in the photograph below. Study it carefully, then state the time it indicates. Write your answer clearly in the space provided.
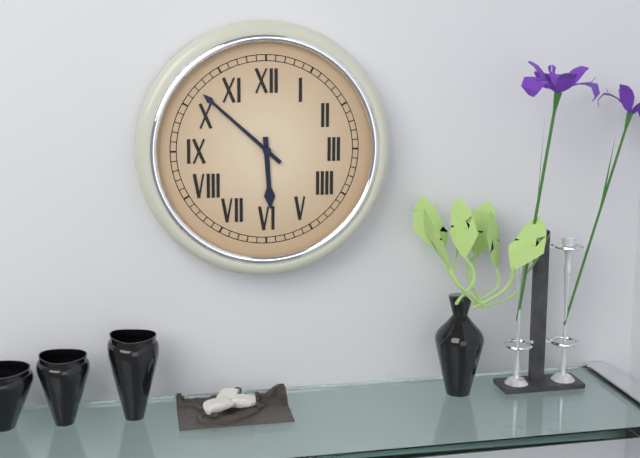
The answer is 5:52
